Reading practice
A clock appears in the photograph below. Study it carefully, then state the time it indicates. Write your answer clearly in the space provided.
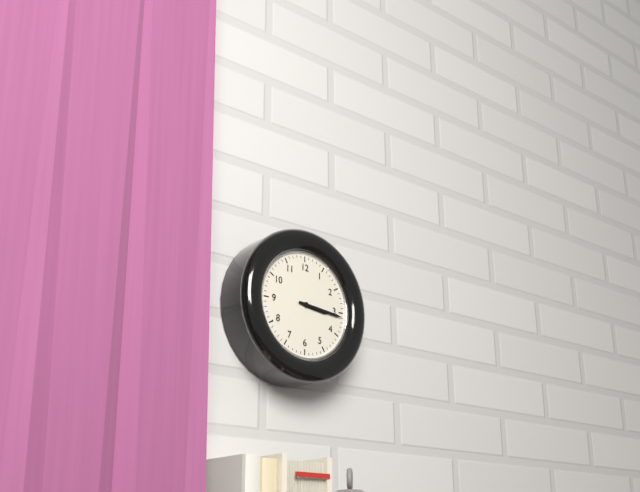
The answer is 3:16
